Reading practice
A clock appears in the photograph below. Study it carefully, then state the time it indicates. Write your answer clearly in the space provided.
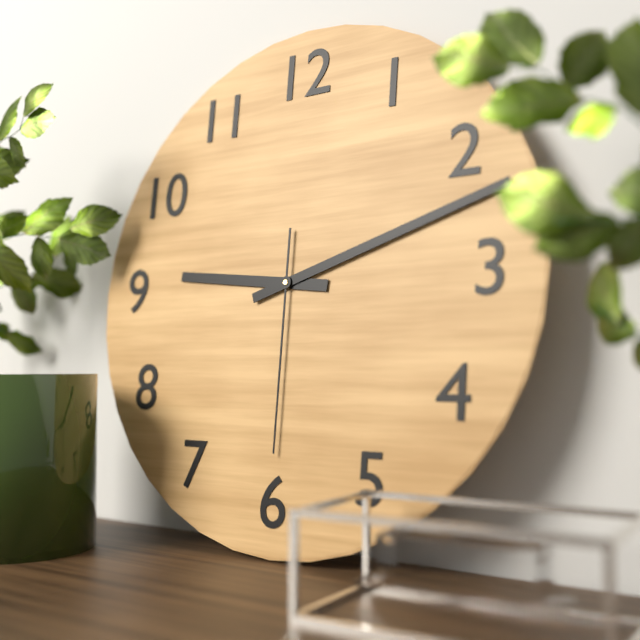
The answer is 9:12:30
